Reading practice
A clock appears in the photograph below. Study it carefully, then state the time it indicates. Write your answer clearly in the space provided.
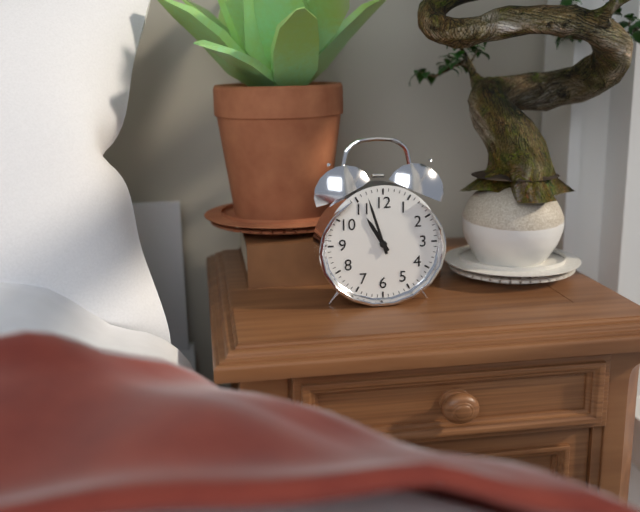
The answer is 10:57
